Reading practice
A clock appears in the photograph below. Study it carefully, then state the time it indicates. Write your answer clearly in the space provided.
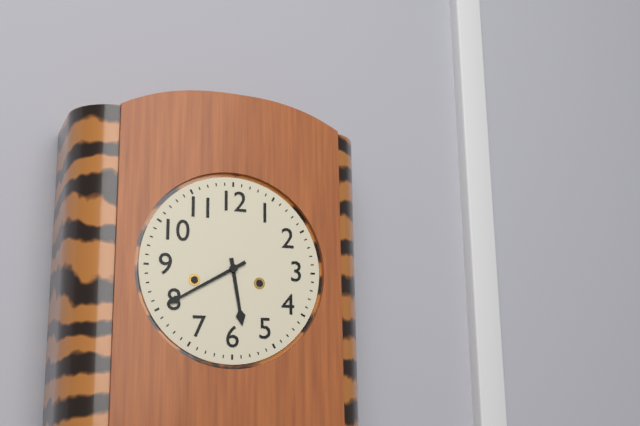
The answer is 5:40
